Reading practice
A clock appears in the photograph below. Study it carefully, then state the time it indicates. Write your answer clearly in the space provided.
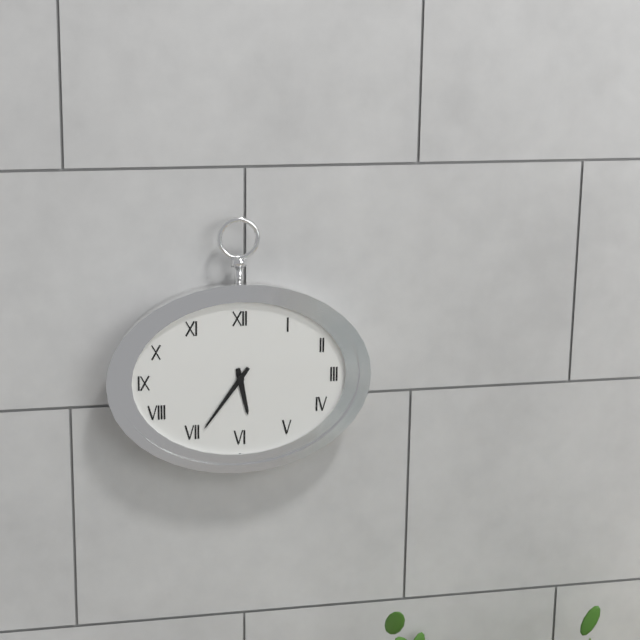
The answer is 5:36
